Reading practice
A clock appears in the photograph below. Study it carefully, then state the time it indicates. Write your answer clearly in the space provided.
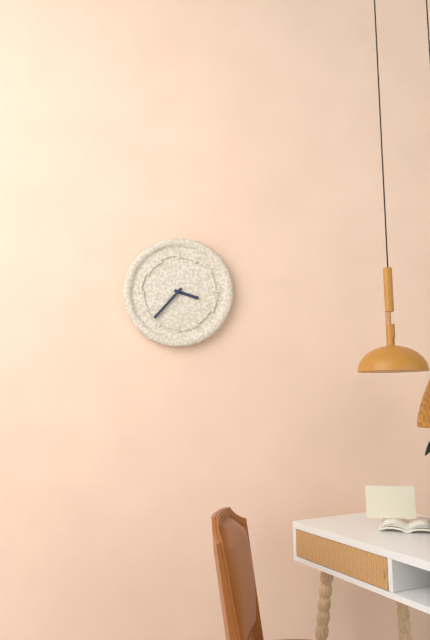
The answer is 3:37
